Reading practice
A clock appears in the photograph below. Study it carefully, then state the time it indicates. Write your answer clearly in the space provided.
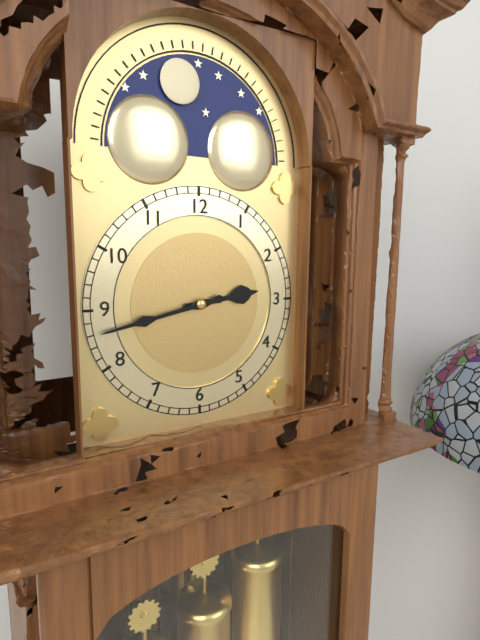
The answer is 2:43
